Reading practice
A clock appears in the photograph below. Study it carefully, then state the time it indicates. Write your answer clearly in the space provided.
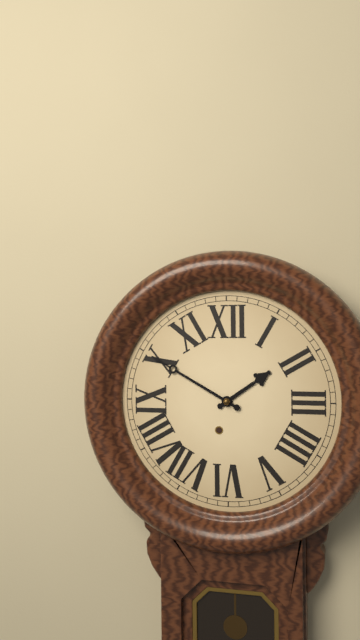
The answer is 1:50
